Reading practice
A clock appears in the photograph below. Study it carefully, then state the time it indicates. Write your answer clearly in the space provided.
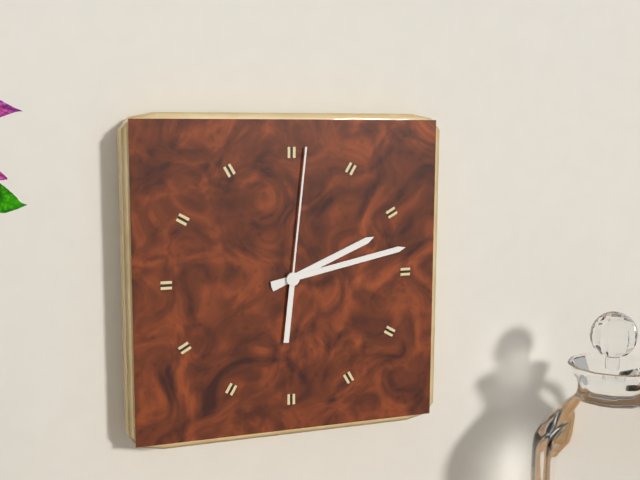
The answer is 2:13:01
